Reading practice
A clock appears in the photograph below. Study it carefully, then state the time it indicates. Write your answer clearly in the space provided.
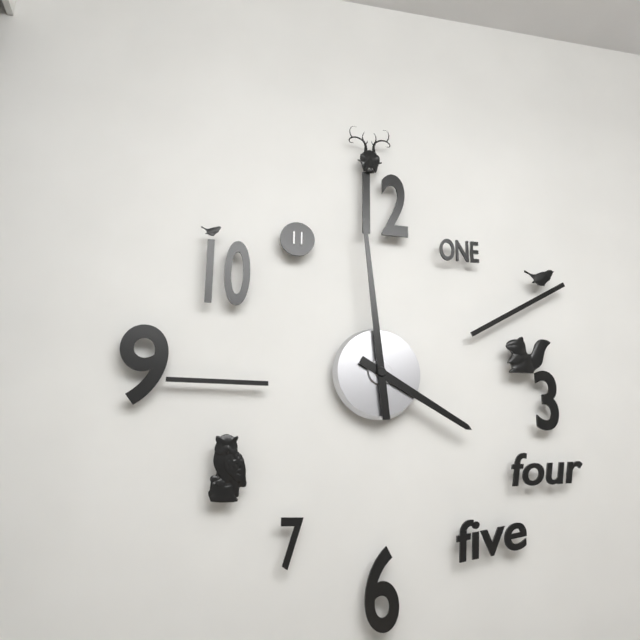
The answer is 3:59
